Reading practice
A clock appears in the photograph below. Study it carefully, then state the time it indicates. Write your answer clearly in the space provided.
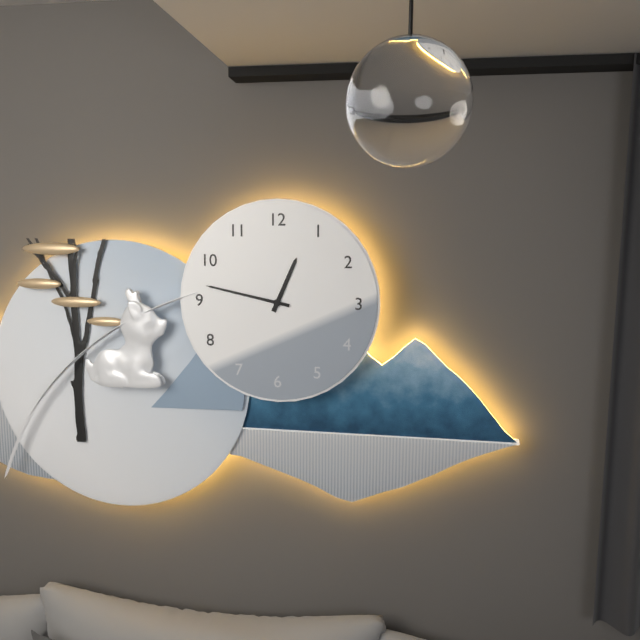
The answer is 12:47
